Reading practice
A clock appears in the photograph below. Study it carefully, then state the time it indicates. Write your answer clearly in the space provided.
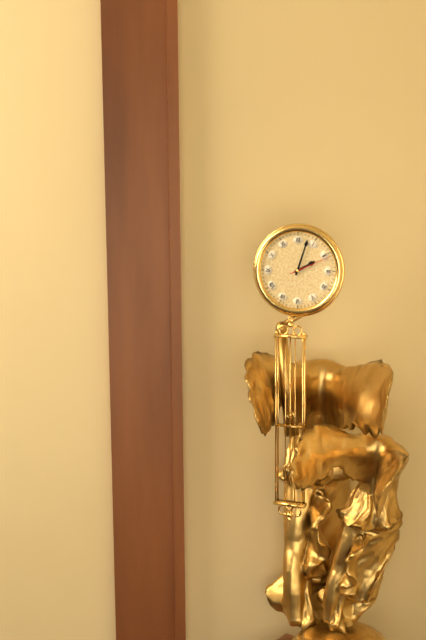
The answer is 2:03
